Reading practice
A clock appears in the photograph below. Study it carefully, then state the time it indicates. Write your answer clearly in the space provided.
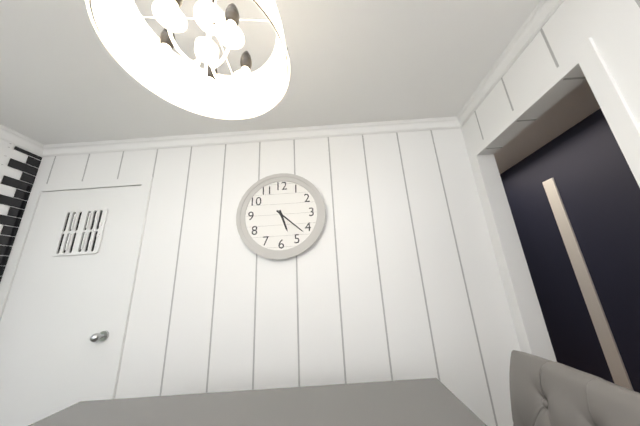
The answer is 5:22
